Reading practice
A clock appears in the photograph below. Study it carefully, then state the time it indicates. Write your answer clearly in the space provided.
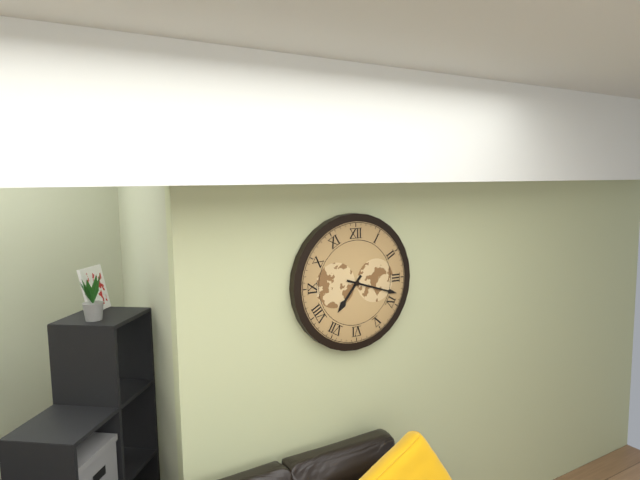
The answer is 7:18
